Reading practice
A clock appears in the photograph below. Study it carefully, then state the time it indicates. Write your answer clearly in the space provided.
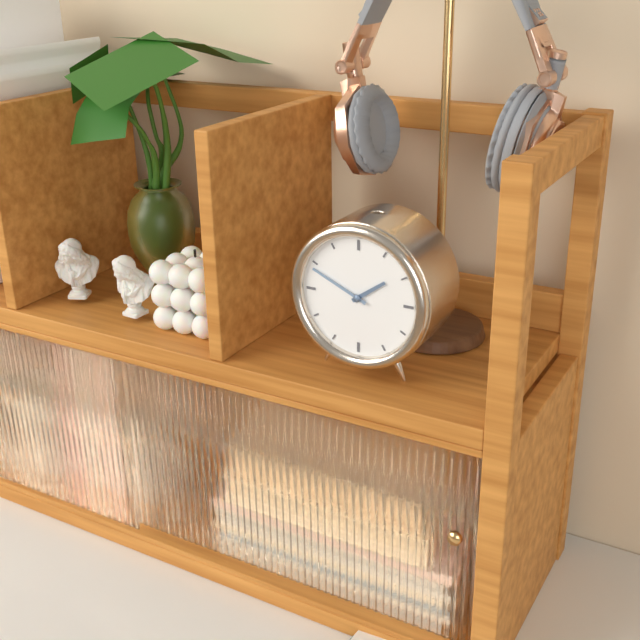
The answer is 1:49
